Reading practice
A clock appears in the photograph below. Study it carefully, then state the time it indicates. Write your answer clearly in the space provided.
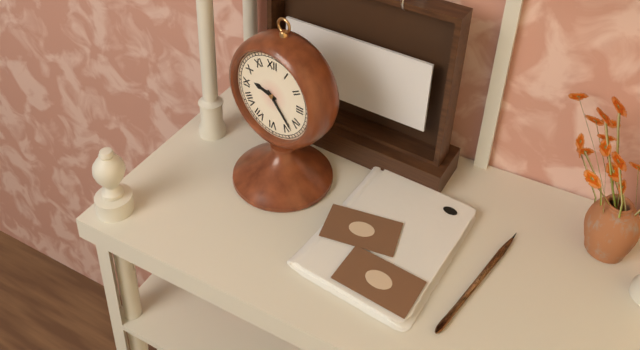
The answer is 9:23
